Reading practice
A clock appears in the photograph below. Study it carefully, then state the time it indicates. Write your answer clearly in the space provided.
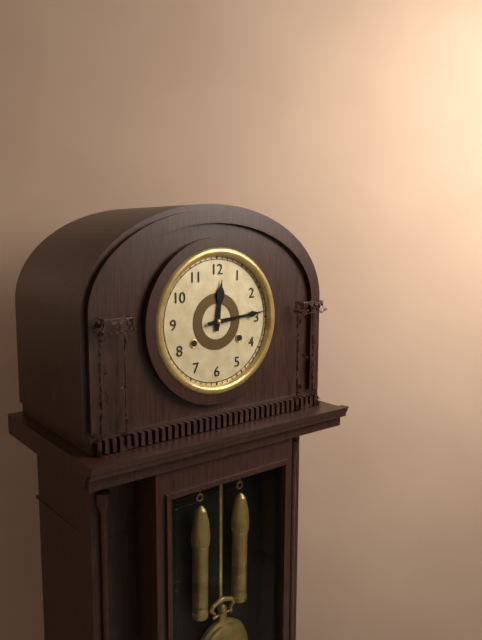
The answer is 12:14
